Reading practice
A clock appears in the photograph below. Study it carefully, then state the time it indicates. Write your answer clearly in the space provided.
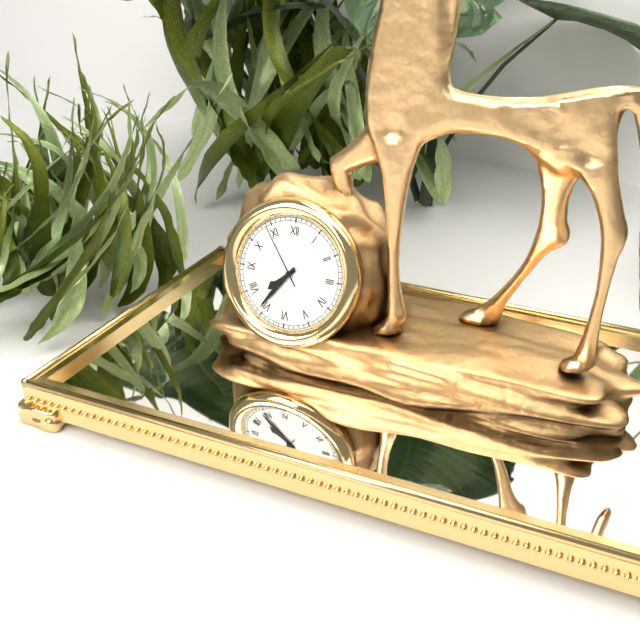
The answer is 7:36:54
